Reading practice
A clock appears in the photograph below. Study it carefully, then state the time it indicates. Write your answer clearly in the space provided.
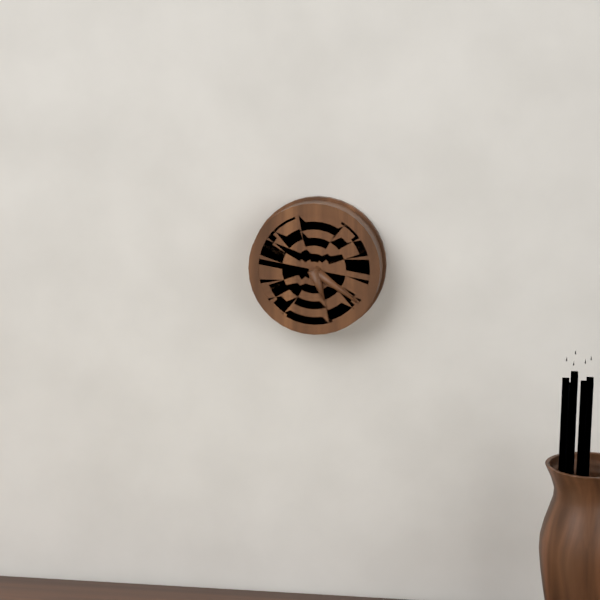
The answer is 5:21
